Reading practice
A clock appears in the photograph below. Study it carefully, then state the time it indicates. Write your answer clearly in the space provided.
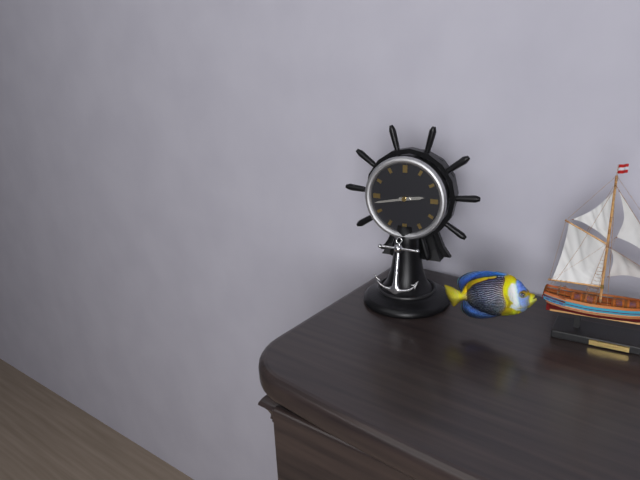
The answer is 2:43
